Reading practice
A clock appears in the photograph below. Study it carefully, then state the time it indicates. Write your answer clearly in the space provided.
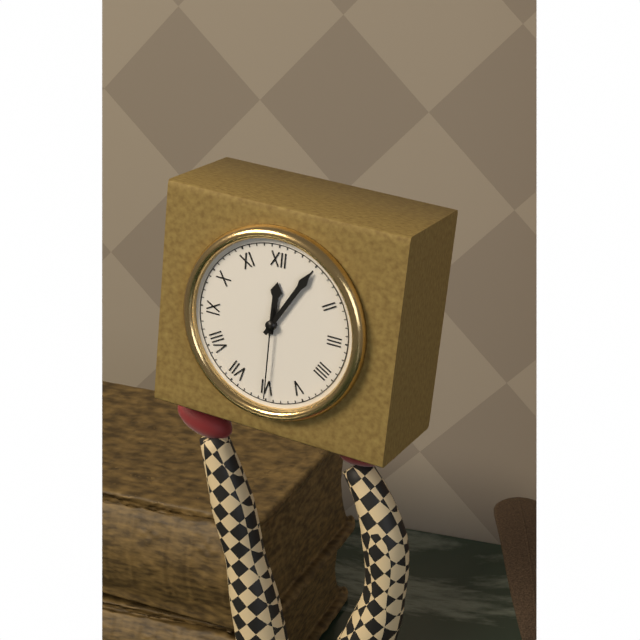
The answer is 12:05:30
